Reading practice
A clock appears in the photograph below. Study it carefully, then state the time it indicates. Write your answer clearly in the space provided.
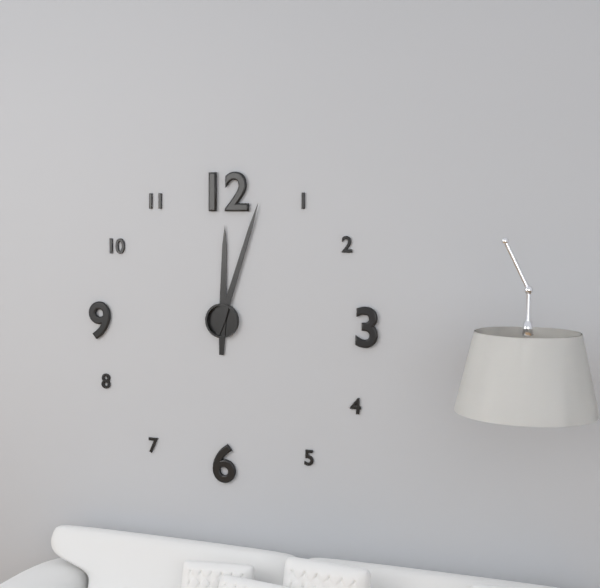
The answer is 12:03
